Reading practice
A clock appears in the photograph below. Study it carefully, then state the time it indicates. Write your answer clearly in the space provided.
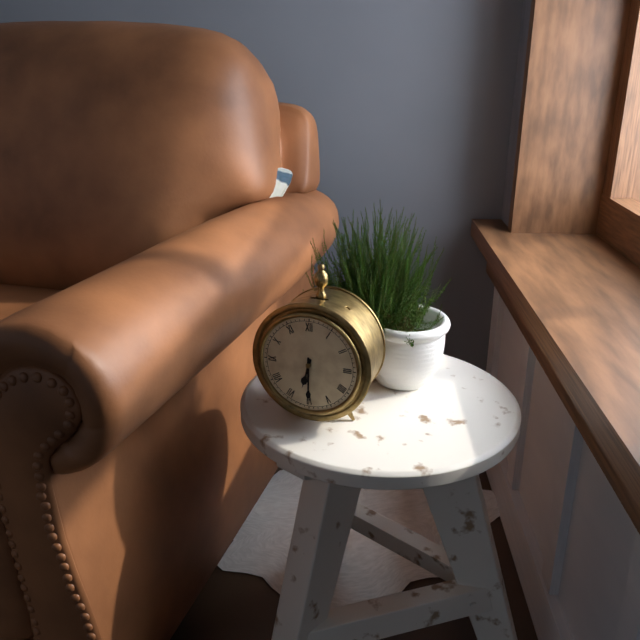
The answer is 6:30
